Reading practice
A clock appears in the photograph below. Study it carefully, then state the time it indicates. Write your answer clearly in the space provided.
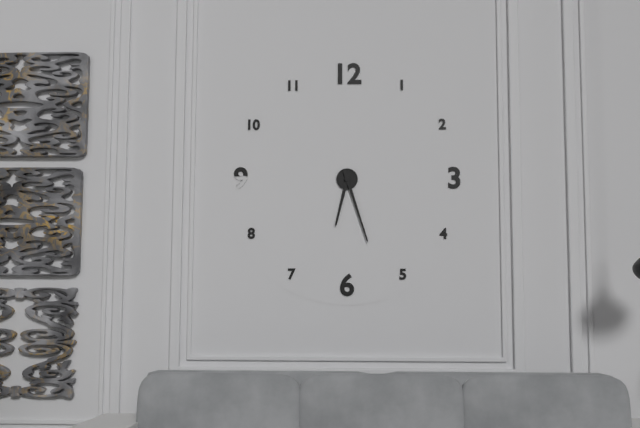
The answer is 6:27
